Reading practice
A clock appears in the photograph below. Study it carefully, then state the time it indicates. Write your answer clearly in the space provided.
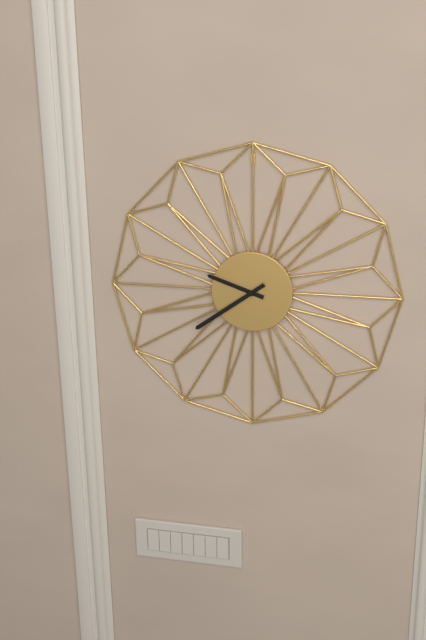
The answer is 9:39
